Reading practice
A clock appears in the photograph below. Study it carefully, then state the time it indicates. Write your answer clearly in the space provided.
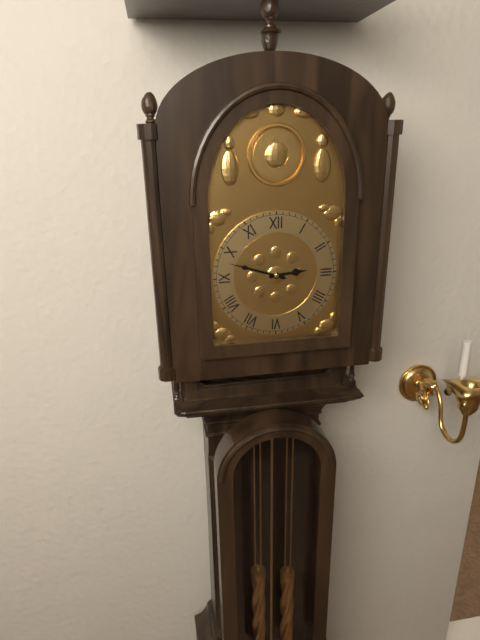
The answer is 2:48
